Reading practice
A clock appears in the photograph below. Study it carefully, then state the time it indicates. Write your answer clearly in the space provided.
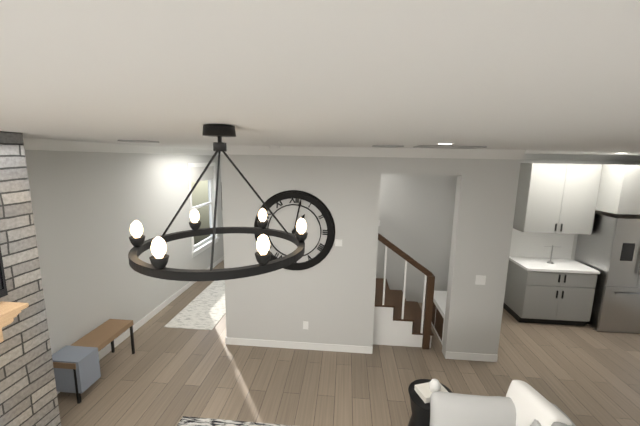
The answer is 1:02
